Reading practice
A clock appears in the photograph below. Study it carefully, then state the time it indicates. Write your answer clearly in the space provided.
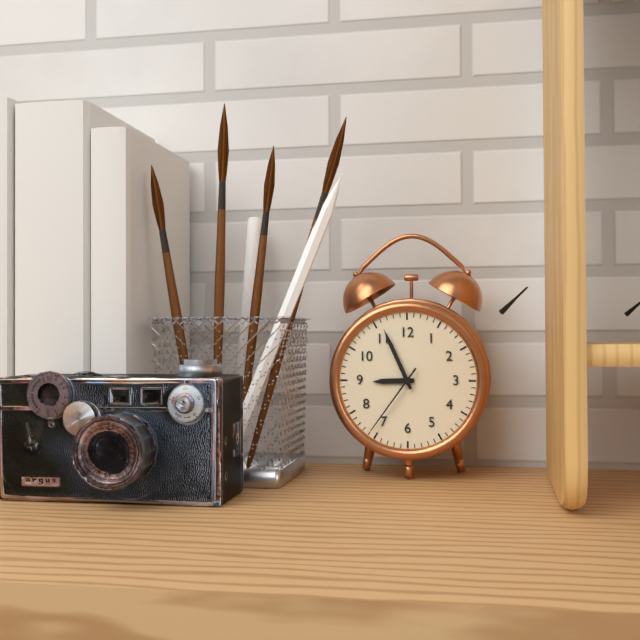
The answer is 8:56:36
